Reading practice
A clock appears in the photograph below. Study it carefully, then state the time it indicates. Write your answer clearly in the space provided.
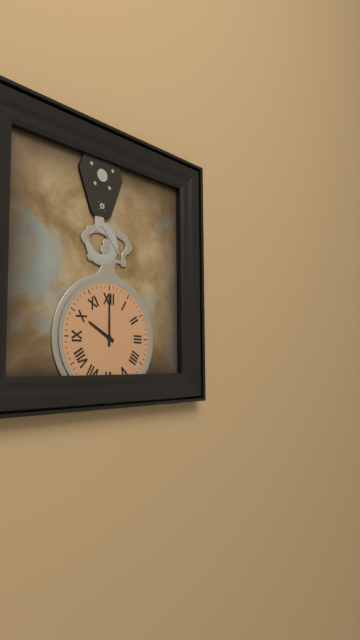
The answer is 10:00
